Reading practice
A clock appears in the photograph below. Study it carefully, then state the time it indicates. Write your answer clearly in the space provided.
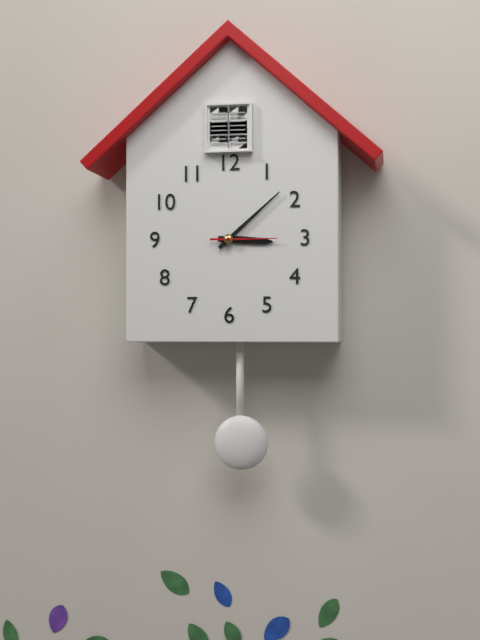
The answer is 3:08:15
